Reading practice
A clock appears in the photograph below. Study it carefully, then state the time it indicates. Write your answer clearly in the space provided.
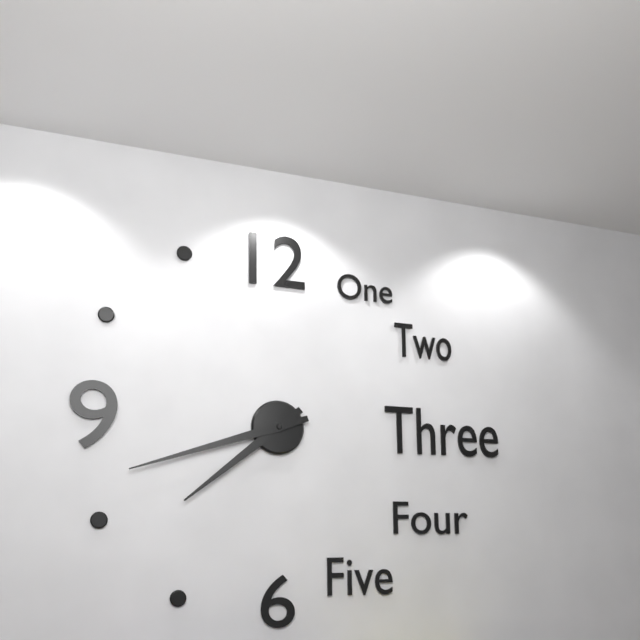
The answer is 7:42
